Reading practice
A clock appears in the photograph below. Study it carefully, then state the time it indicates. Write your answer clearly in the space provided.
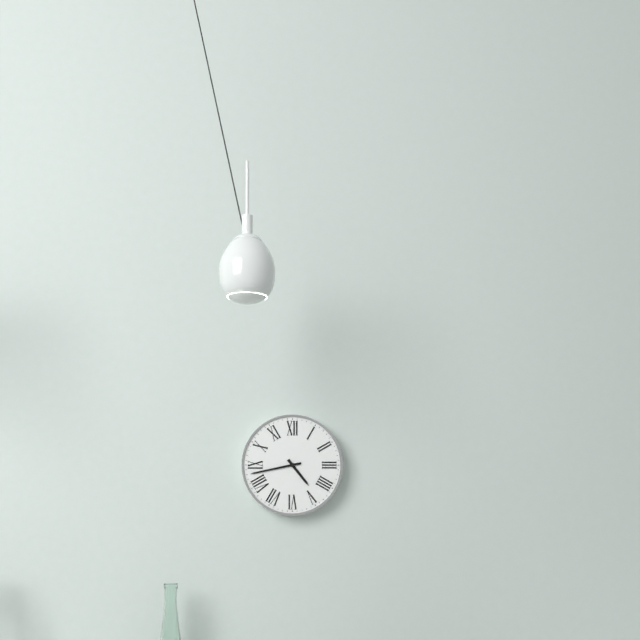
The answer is 4:43
